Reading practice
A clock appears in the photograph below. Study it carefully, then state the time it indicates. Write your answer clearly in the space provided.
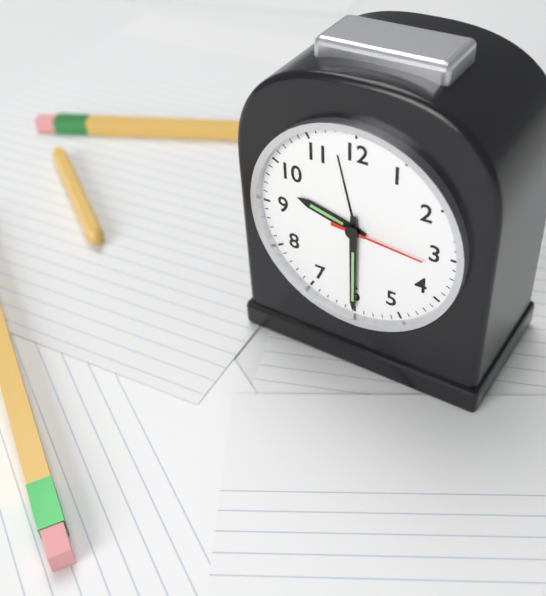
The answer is 9:30:16
